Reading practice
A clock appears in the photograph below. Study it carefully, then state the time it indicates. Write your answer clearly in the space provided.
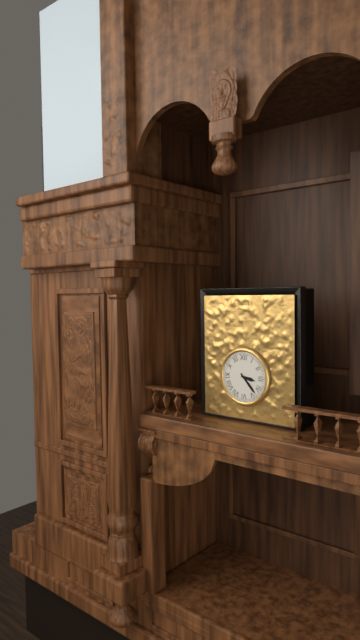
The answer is 3:23
